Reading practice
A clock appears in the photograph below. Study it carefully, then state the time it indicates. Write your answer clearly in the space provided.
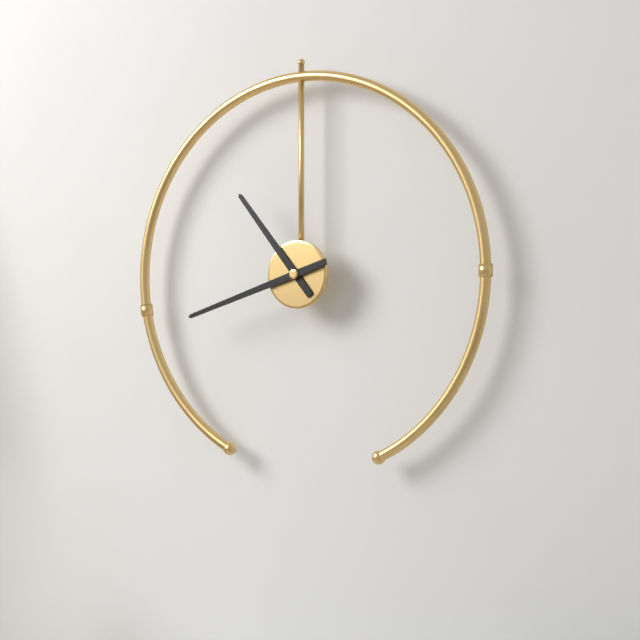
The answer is 10:42
